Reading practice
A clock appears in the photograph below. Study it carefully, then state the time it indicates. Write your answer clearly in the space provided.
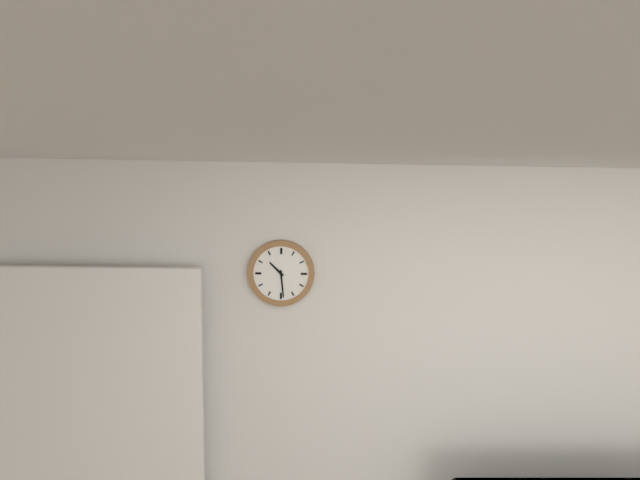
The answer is 10:29
